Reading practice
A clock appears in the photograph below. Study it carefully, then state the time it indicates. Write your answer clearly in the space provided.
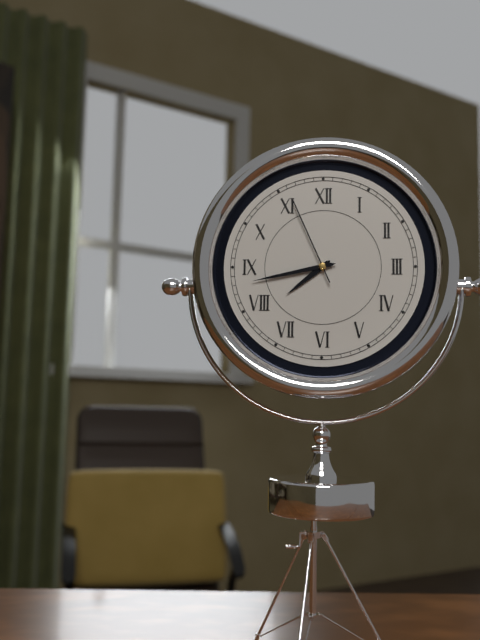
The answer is 7:43:56
